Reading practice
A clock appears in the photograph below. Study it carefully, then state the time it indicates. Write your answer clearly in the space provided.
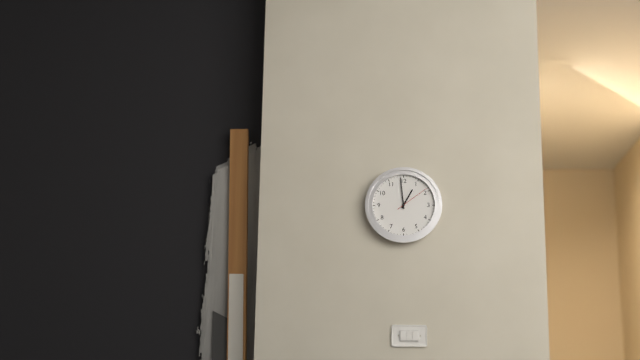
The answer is 12:59
